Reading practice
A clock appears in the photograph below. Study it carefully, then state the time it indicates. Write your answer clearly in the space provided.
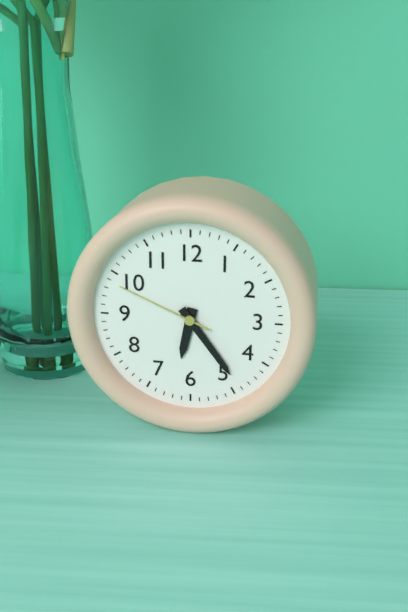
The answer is 6:24:49
